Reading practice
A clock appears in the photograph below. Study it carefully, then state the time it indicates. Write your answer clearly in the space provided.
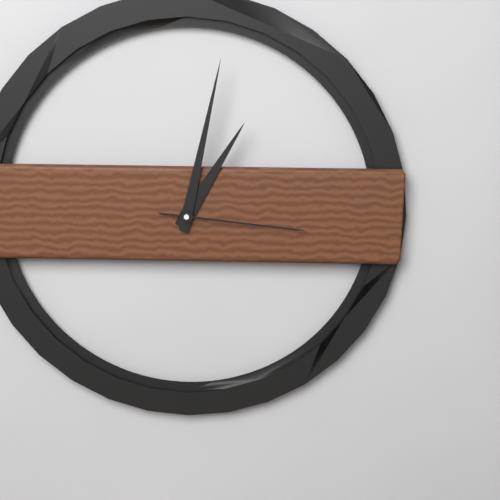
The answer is 1:02:16
